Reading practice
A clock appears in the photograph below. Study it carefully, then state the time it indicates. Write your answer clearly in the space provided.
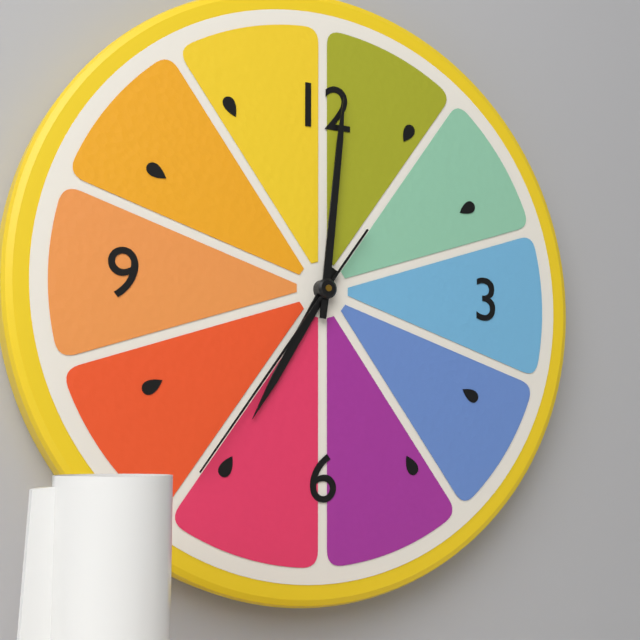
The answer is 7:01:36
